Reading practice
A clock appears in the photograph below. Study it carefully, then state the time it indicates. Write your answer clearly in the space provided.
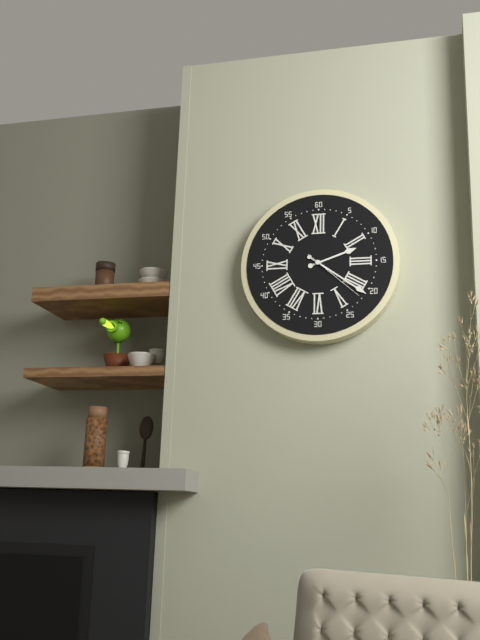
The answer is 2:21:22
